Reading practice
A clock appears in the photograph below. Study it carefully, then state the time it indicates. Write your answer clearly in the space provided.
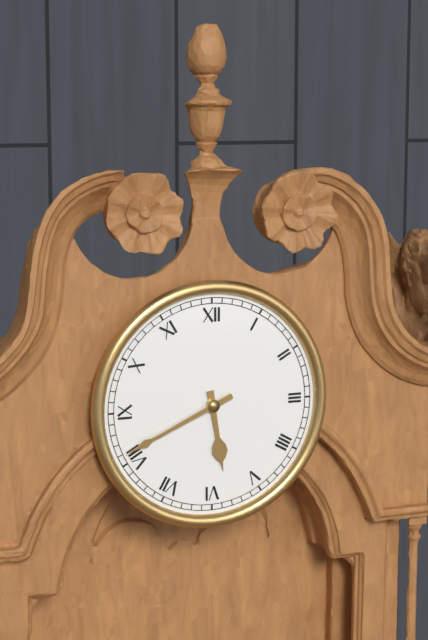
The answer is 5:41
